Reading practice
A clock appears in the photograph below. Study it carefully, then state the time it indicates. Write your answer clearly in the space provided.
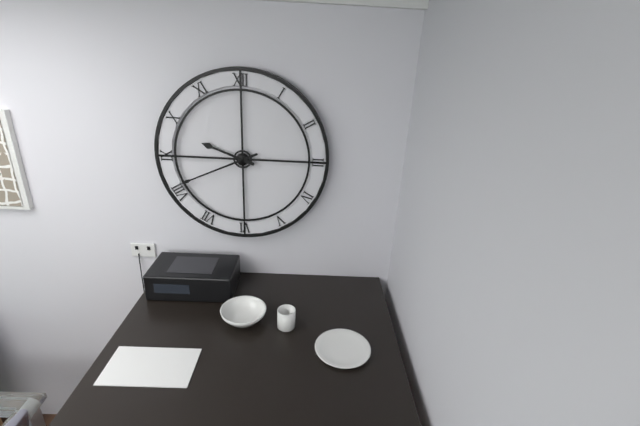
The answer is 9:41
